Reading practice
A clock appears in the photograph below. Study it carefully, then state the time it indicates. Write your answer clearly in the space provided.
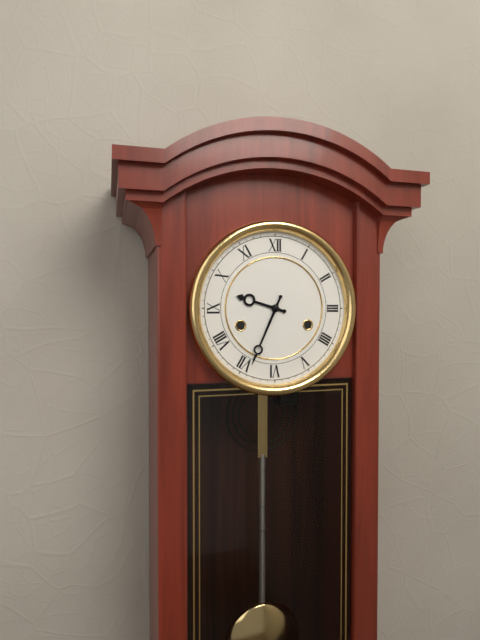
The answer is 9:34
